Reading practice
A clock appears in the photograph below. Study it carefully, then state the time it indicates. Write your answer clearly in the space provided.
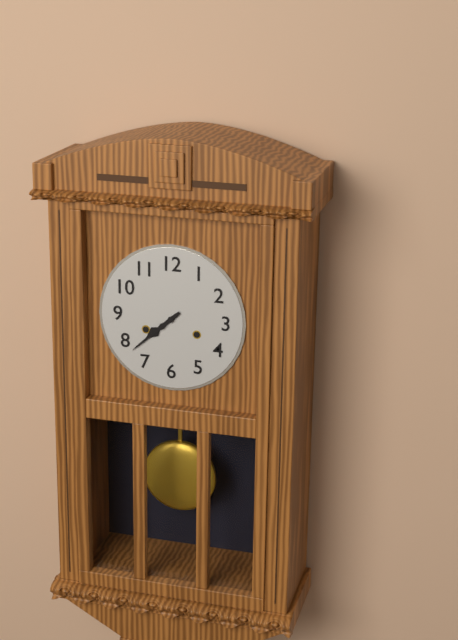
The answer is 7:38
